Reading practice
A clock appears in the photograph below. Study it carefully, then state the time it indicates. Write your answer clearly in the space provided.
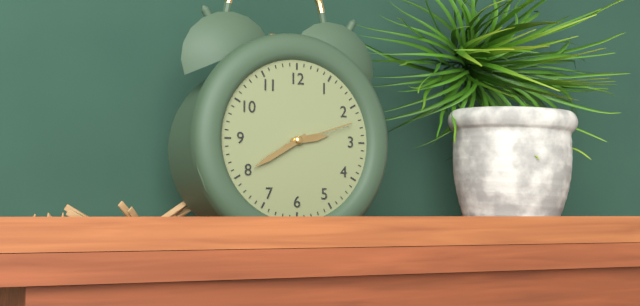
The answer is 2:40:12
